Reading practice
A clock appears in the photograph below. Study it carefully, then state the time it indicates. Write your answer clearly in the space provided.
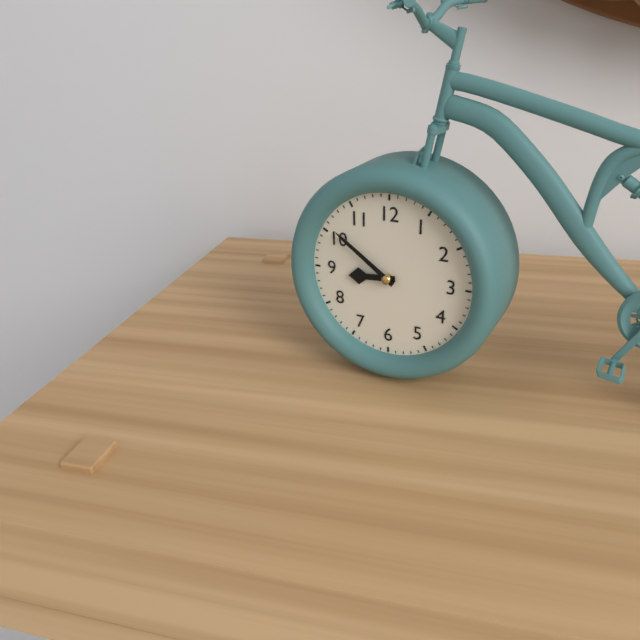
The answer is 8:51
